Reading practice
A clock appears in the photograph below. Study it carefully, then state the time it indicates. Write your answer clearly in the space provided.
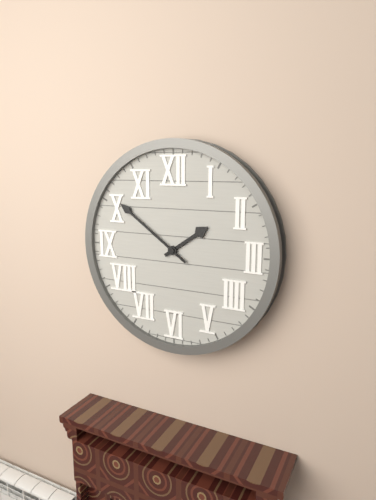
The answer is 1:51
